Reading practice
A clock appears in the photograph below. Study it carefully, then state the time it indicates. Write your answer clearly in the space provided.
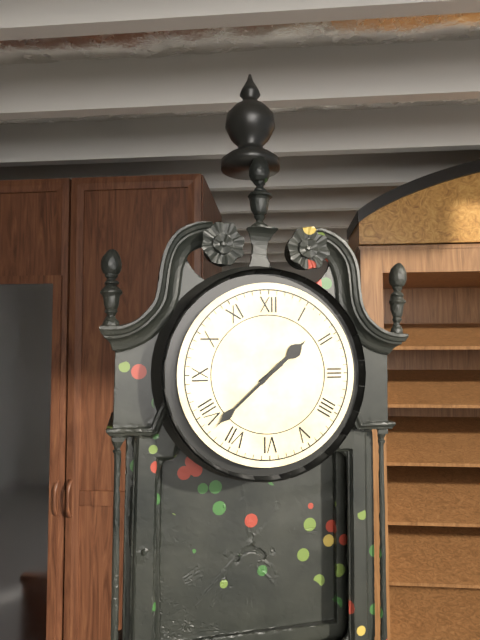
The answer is 1:38
